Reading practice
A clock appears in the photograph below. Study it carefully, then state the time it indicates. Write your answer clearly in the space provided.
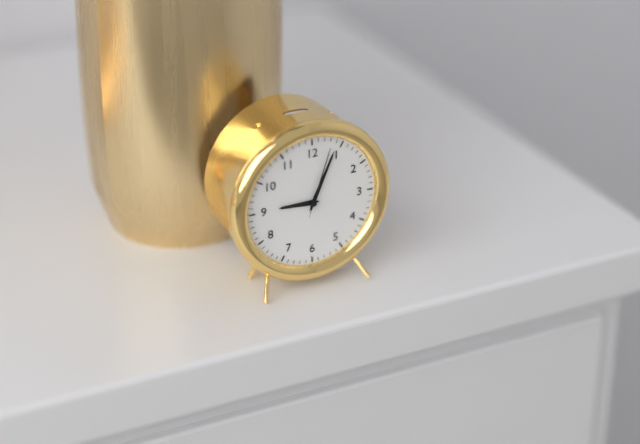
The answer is 9:04:03
